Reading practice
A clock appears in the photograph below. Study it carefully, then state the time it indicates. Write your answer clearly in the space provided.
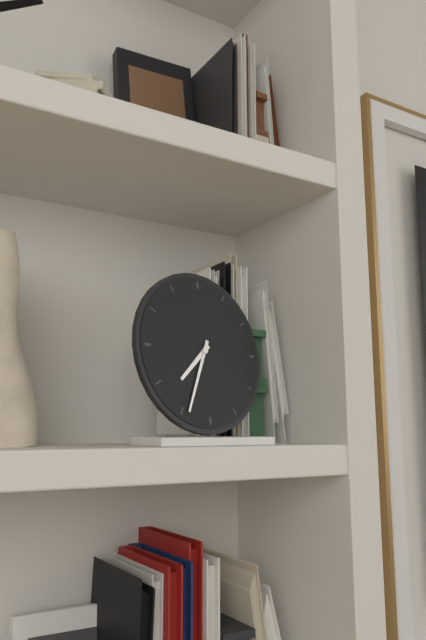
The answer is 7:34
